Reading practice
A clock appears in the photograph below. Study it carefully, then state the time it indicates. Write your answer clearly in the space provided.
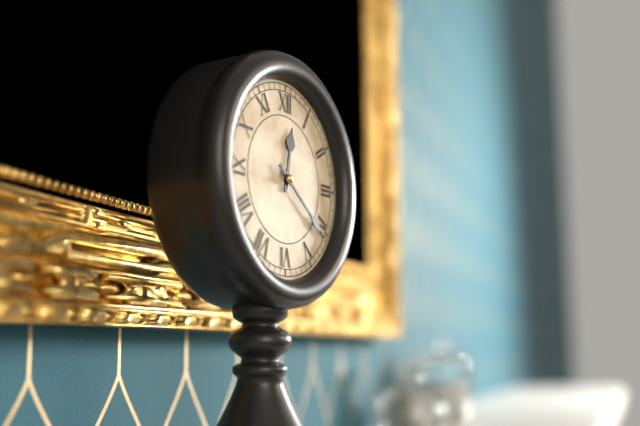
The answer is 12:21
